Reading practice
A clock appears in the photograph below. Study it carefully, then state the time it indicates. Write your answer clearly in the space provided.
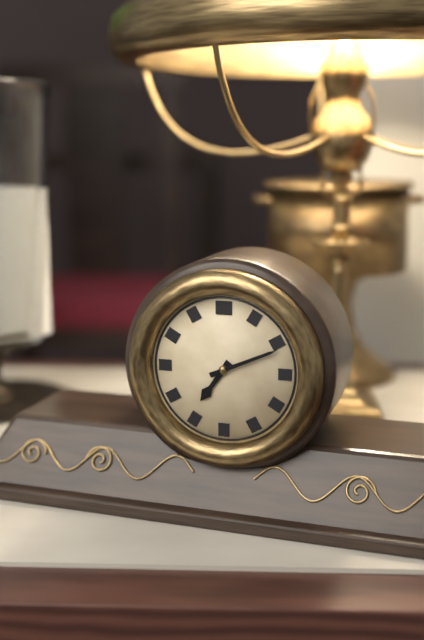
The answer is 7:11
